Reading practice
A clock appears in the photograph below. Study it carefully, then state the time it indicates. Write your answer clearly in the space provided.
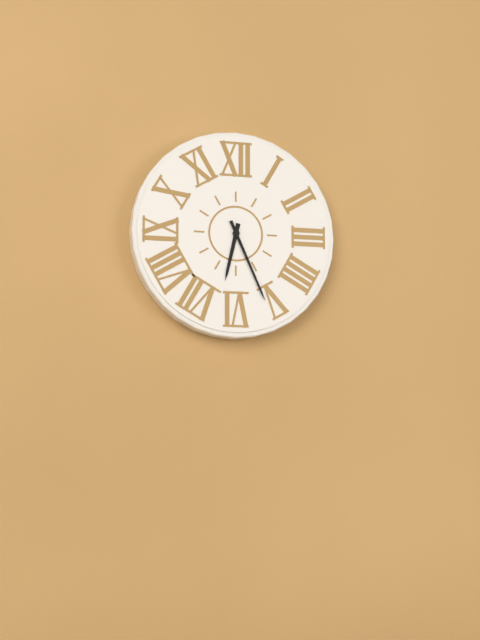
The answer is 6:26
